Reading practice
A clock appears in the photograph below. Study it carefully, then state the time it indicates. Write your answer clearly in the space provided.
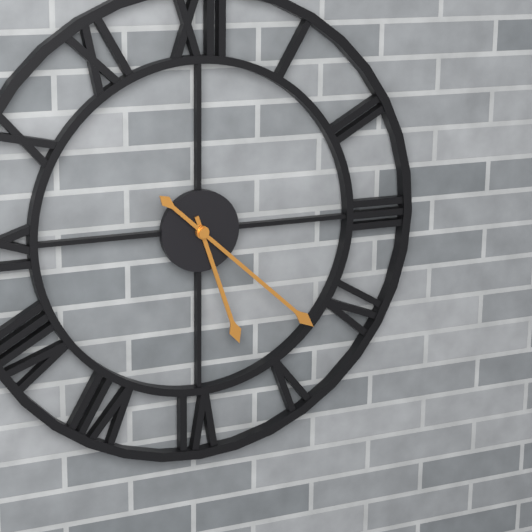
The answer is 5:22
